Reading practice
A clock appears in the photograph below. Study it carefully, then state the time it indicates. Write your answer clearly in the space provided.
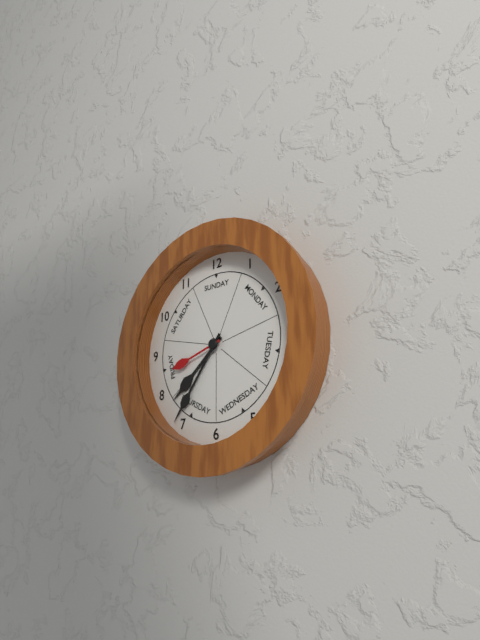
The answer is 7:36:42
